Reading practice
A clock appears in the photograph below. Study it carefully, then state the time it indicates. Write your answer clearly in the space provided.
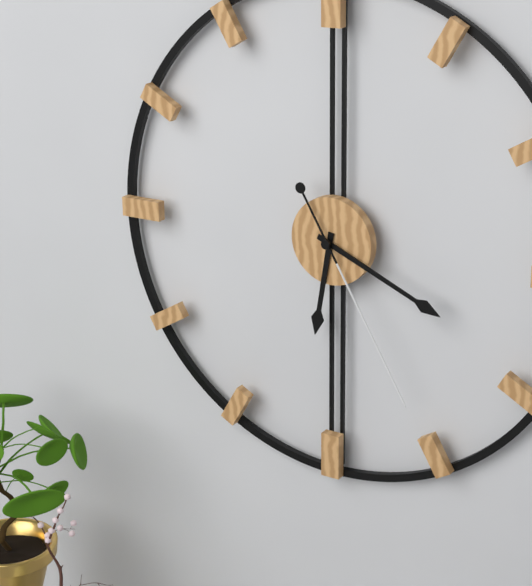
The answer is 6:19:25
